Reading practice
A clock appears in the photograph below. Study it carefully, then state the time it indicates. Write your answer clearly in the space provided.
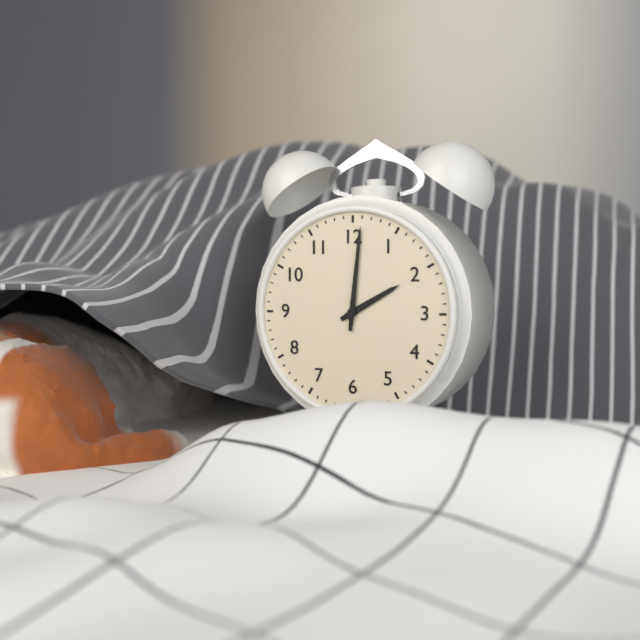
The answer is 2:01
